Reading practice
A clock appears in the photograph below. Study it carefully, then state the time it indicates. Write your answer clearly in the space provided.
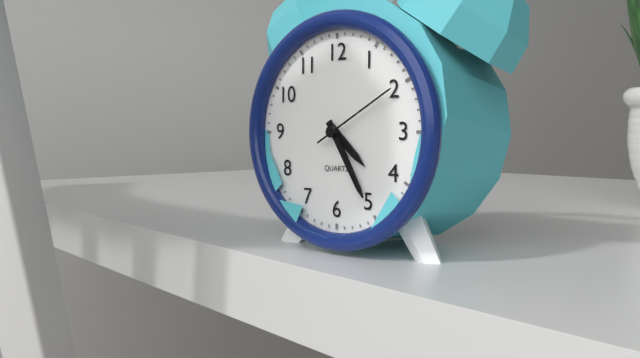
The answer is 4:25:10
